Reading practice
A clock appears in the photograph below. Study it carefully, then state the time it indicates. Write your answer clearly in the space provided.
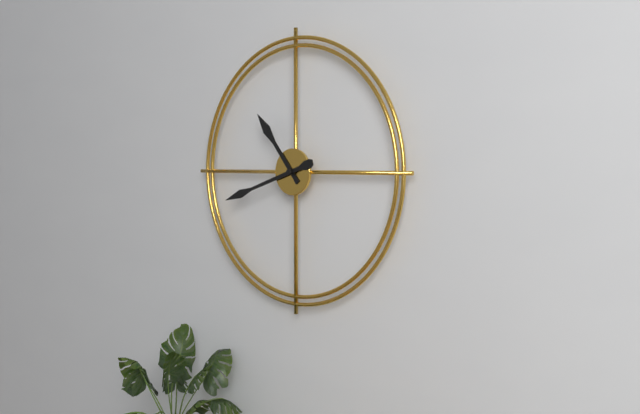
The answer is 10:42
